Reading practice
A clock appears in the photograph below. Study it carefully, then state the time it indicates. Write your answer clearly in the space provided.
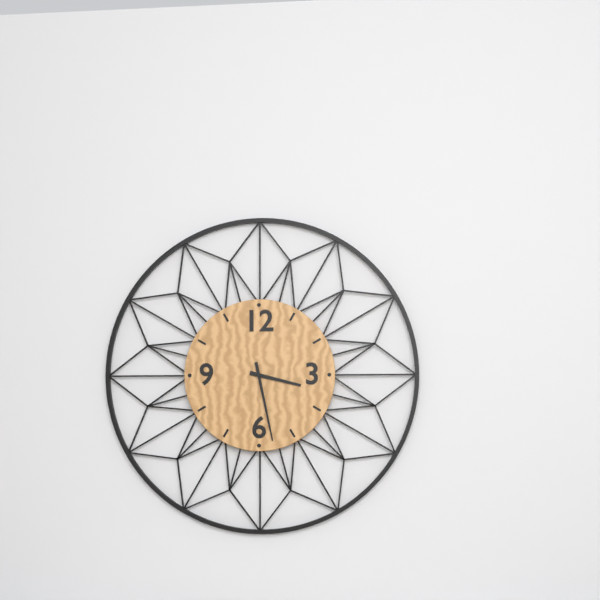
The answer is 3:28
